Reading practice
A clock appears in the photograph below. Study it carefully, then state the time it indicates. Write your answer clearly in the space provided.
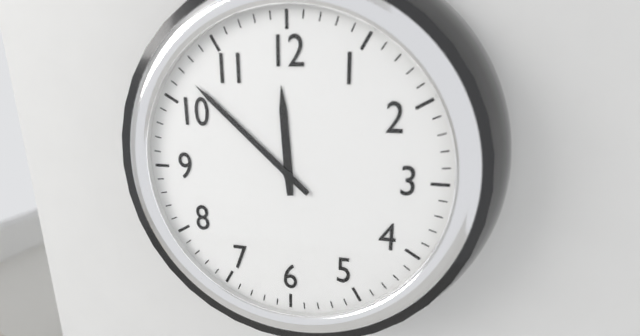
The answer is 11:52
